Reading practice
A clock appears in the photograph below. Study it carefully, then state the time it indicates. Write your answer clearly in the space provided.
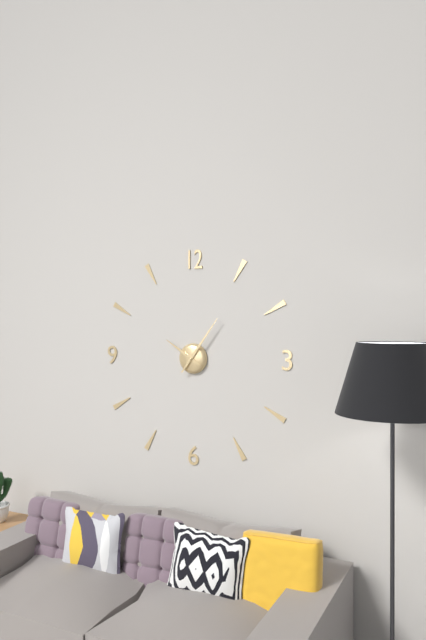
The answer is 10:06
